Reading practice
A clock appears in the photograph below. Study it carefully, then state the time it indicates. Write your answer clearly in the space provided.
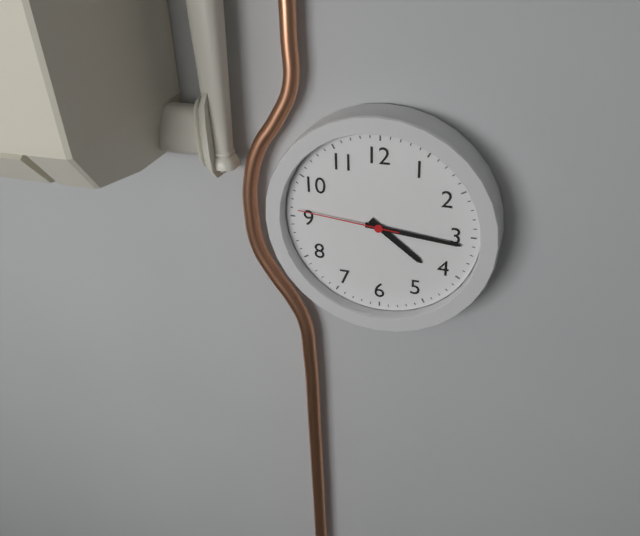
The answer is 4:16:46
